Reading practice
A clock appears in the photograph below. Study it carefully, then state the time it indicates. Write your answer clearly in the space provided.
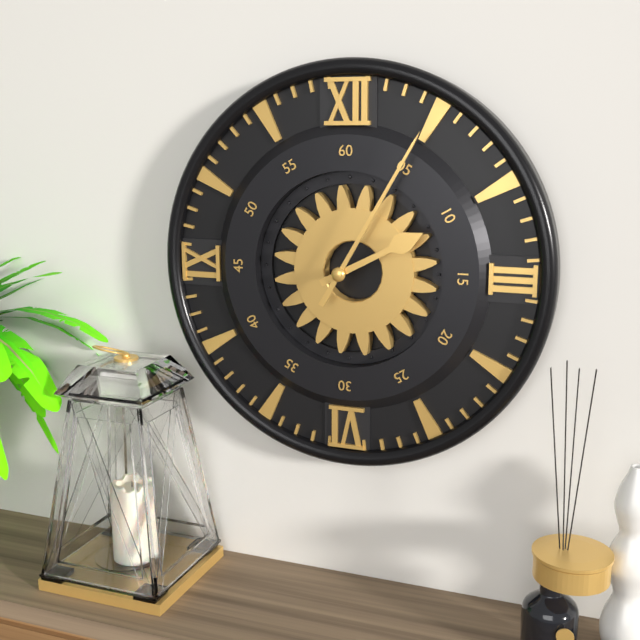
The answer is 2:05
